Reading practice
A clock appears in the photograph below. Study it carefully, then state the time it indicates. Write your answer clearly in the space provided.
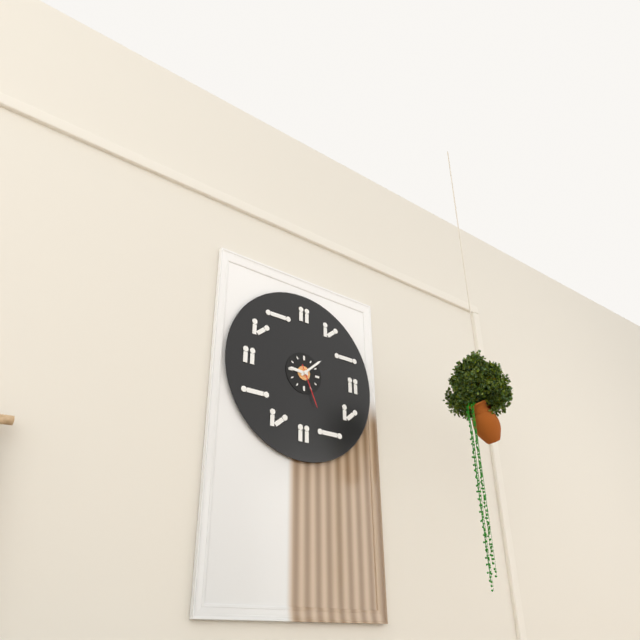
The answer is 9:08
